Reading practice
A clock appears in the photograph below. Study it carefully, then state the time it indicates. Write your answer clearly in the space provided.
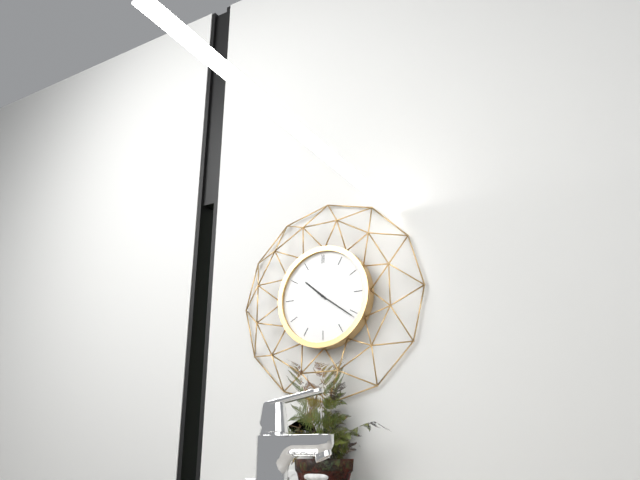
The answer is 10:21
